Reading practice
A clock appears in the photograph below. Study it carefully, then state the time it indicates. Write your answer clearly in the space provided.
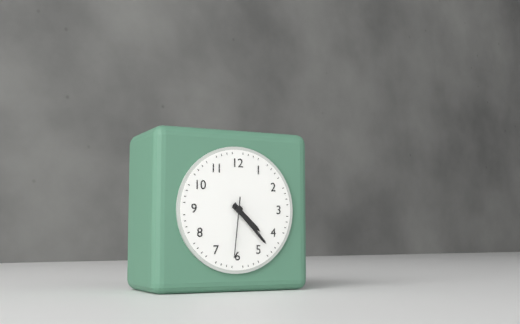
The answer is 4:23:31
